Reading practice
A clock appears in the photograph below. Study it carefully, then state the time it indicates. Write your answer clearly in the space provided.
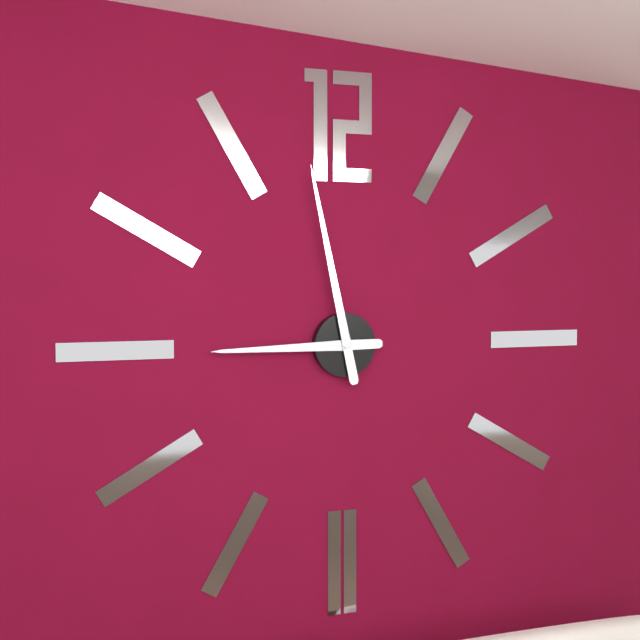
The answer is 8:58
